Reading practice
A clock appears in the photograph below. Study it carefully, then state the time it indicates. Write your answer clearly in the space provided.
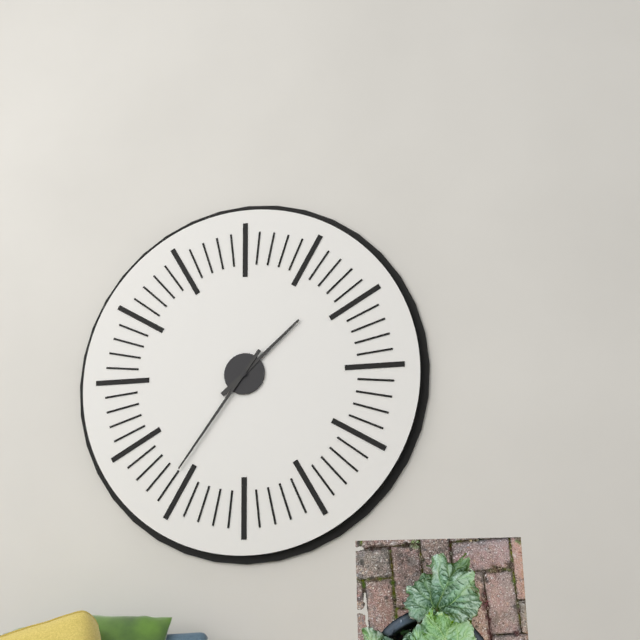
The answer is 1:36
